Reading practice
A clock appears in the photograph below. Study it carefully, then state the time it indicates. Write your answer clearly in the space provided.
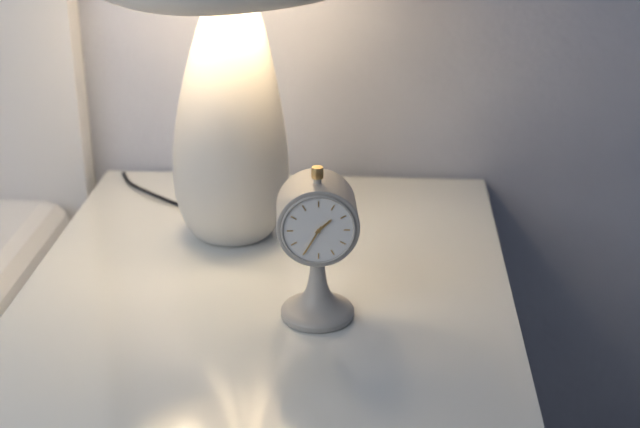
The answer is 1:35
